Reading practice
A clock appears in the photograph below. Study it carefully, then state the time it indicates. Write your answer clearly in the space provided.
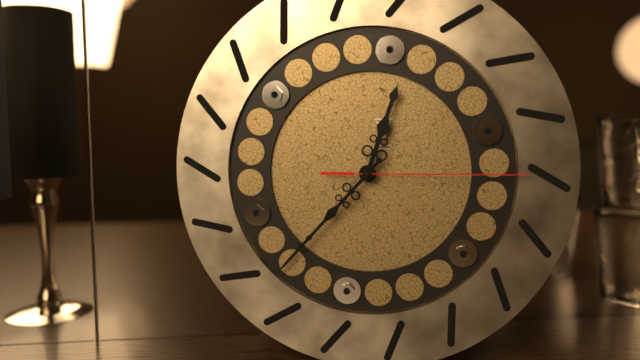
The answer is 12:37:15
